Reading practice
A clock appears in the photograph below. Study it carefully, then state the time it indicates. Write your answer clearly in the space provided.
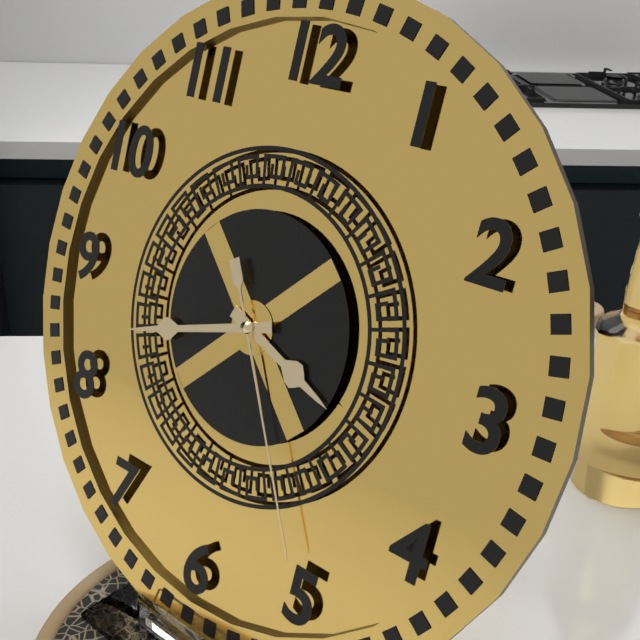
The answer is 3:42:25
